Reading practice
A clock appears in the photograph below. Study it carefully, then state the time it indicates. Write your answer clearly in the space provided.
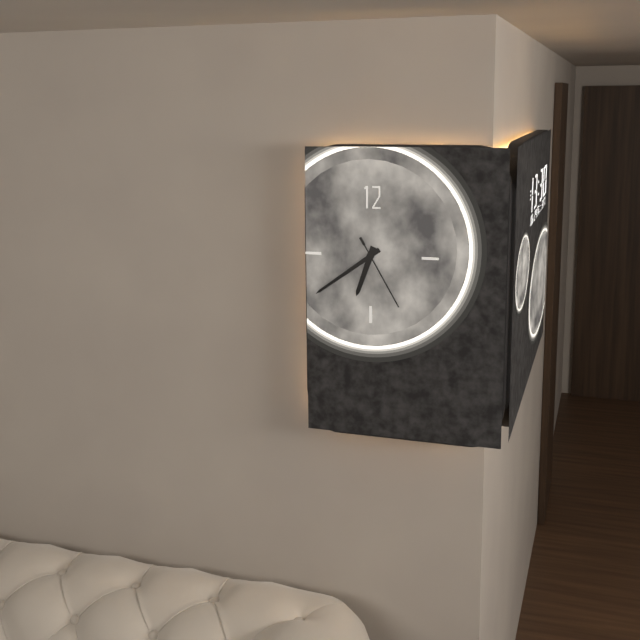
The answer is 6:39:25
